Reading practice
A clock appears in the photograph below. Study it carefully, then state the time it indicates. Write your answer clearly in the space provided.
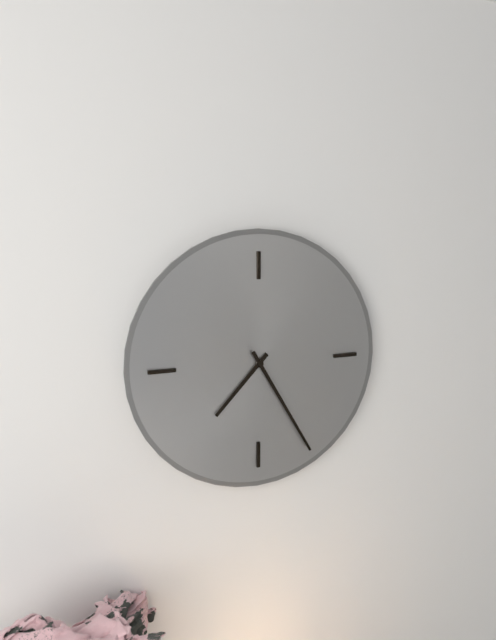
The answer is 7:25
